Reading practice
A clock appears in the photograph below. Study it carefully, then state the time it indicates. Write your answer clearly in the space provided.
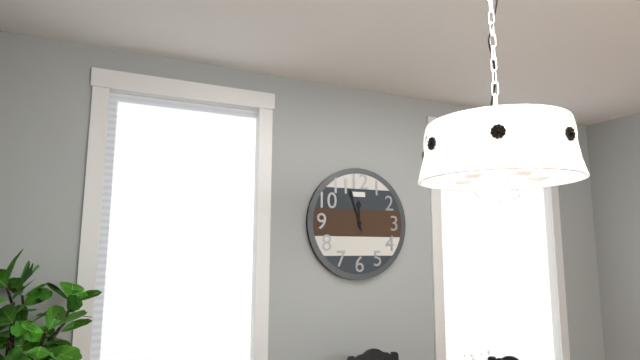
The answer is 11:57
